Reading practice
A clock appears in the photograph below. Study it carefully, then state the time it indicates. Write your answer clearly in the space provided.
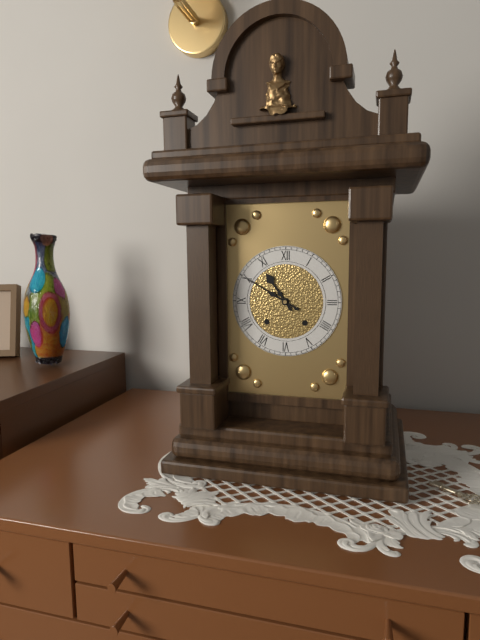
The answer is 10:50
